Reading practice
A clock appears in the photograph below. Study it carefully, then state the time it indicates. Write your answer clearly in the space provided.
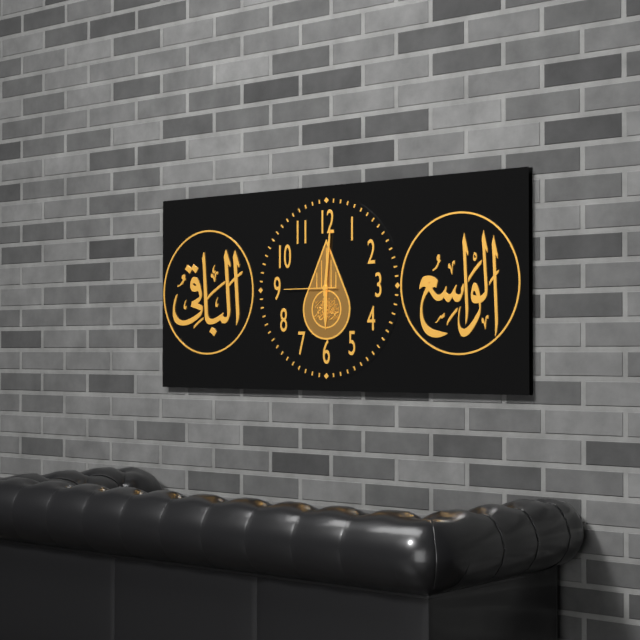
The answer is 6:01:45
